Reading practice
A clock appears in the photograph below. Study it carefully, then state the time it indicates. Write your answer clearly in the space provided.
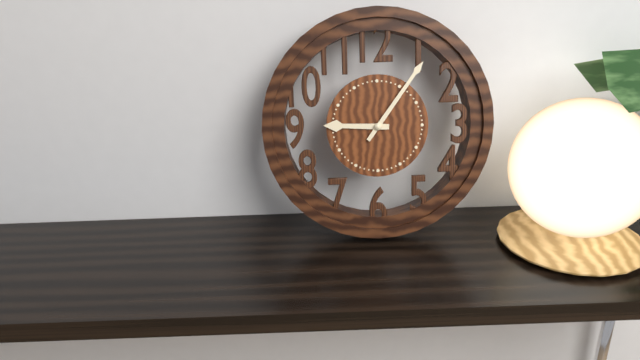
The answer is 9:06
